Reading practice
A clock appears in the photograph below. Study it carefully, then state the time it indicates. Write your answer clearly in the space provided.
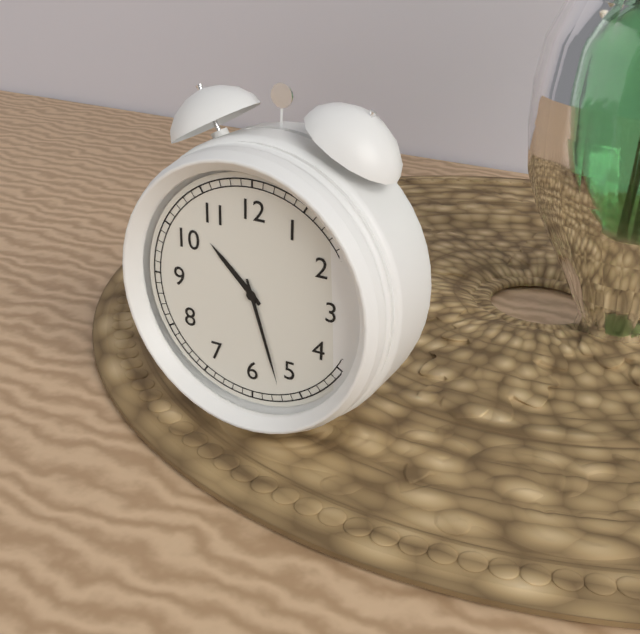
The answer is 10:27
